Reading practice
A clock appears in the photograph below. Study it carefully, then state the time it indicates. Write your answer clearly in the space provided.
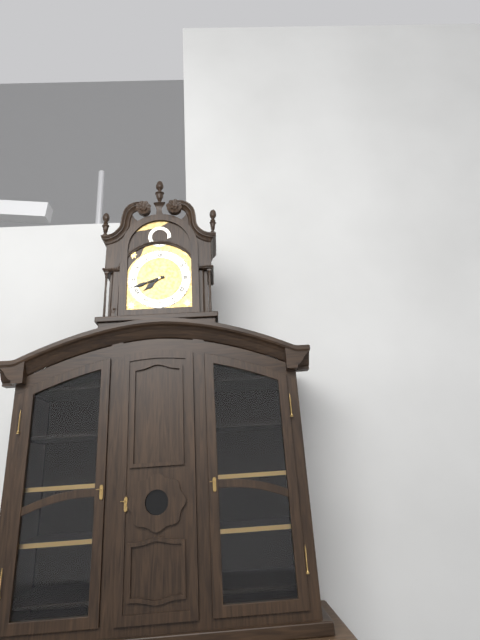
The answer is 7:42
